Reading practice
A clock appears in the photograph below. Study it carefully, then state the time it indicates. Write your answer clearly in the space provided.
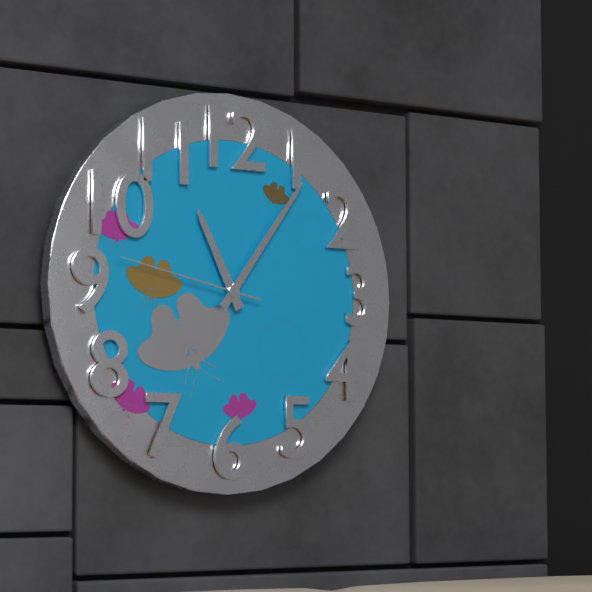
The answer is 11:06:47
